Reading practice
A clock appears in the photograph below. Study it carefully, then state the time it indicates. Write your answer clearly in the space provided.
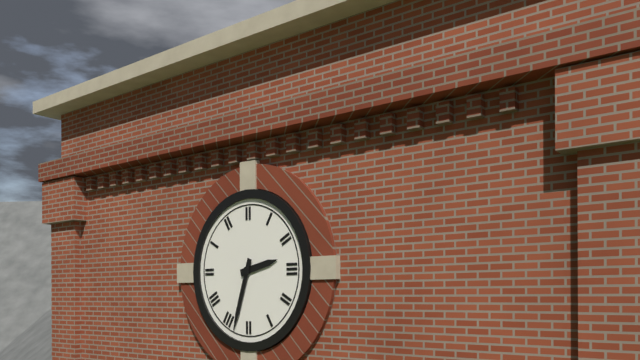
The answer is 2:33
